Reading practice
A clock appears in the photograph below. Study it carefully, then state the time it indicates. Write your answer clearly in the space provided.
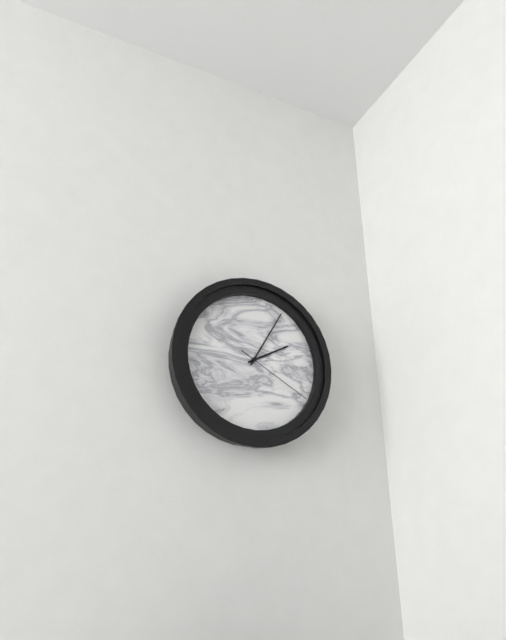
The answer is 2:05:20
